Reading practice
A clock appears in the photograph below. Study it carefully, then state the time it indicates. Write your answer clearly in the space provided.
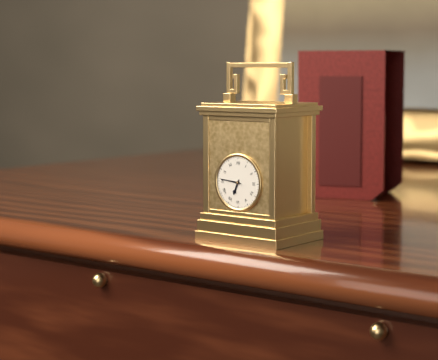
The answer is 6:46
